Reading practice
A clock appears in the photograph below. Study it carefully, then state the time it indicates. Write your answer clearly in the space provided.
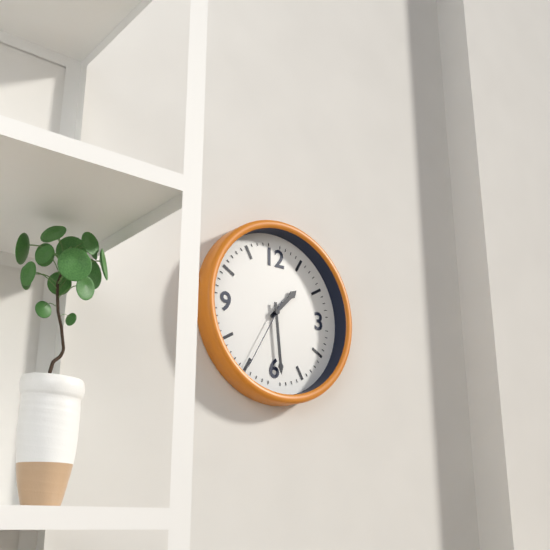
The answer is 1:29:35
